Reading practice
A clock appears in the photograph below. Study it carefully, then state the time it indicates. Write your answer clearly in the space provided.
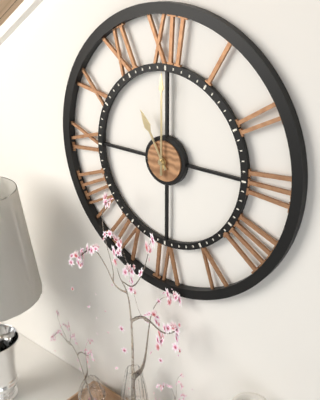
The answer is 11:00
